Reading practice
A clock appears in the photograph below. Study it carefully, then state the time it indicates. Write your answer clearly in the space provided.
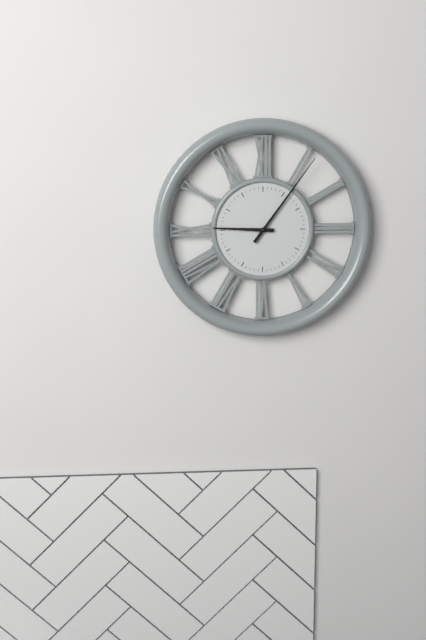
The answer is 9:06
